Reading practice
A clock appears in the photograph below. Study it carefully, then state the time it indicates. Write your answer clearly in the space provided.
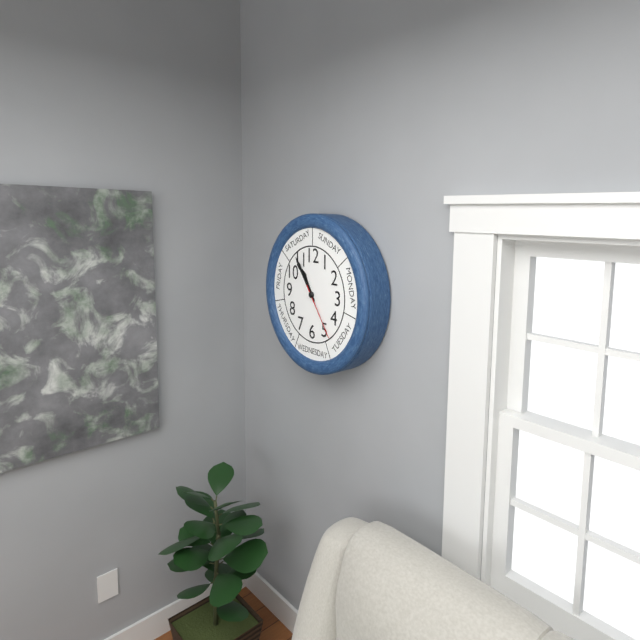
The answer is 10:54:24
